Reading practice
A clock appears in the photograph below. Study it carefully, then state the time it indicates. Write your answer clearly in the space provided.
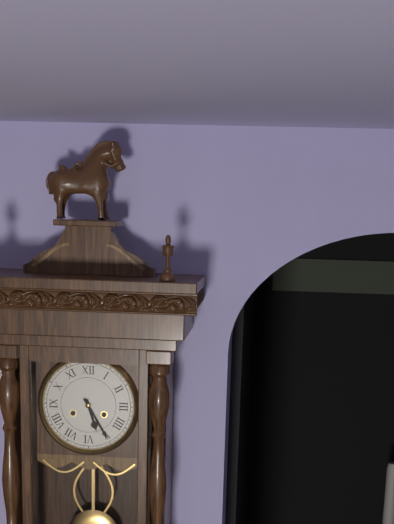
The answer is 5:25
